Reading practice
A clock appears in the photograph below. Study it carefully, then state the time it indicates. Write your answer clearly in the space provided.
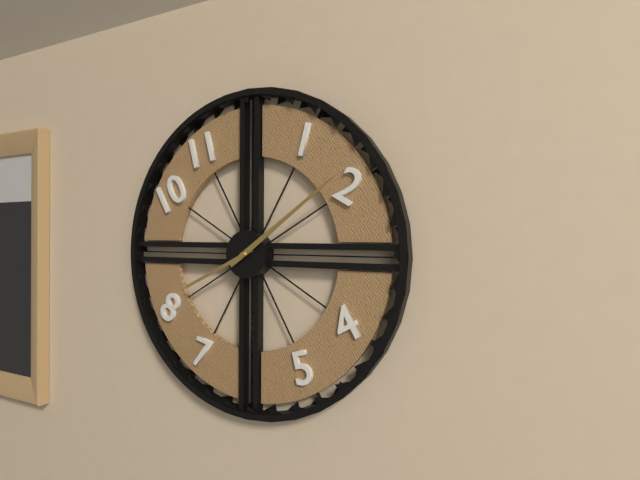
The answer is 8:09
